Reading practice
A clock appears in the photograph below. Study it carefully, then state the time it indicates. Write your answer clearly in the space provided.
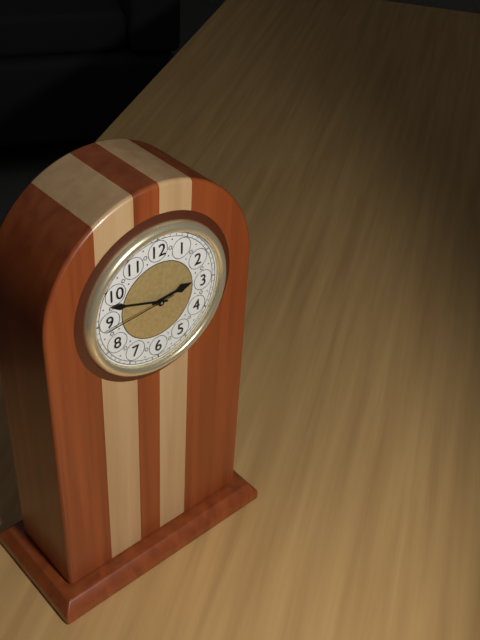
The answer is 2:48:44
